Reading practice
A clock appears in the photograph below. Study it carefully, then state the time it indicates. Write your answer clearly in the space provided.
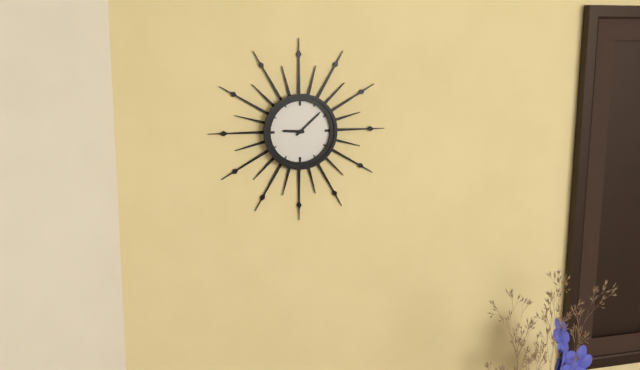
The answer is 9:08
